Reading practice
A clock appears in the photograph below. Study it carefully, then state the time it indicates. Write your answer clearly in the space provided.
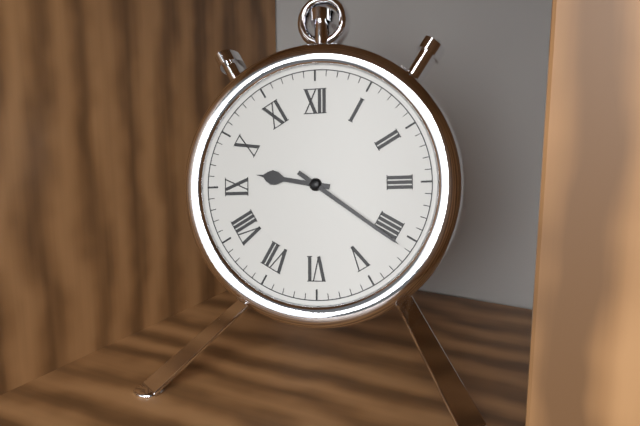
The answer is 9:21
